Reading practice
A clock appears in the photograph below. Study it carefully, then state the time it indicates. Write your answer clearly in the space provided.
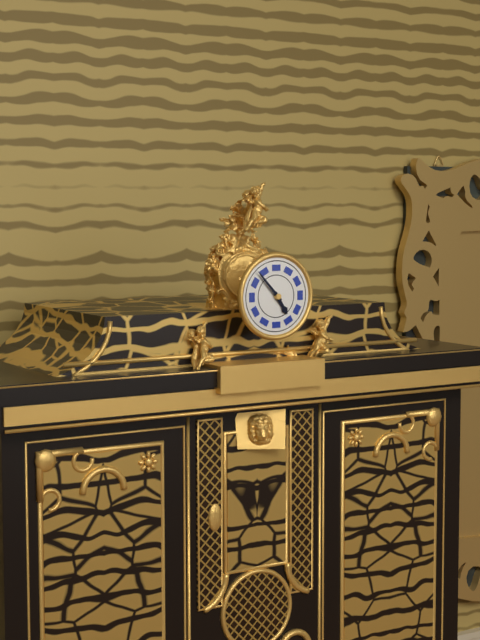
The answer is 4:53
